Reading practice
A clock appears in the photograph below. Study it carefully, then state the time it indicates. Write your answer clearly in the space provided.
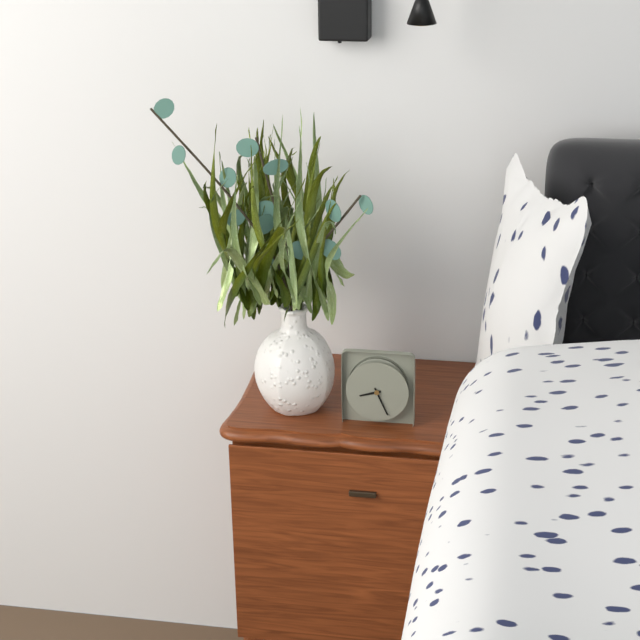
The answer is 8:26
